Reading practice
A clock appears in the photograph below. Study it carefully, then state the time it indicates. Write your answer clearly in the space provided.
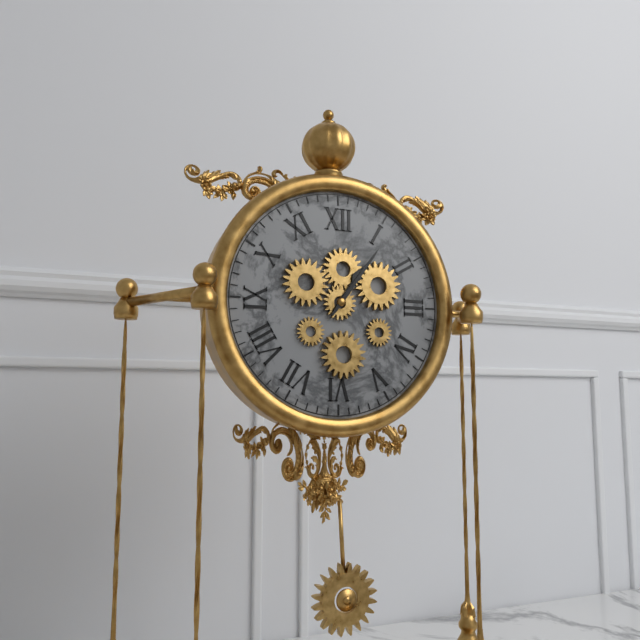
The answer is 1:06
